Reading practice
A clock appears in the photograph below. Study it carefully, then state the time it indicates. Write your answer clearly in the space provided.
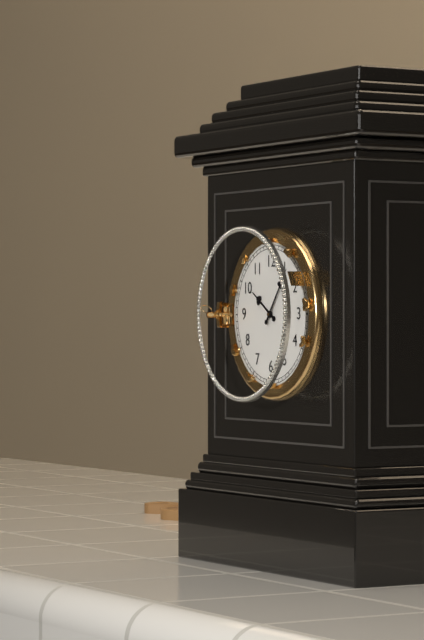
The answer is 10:06
